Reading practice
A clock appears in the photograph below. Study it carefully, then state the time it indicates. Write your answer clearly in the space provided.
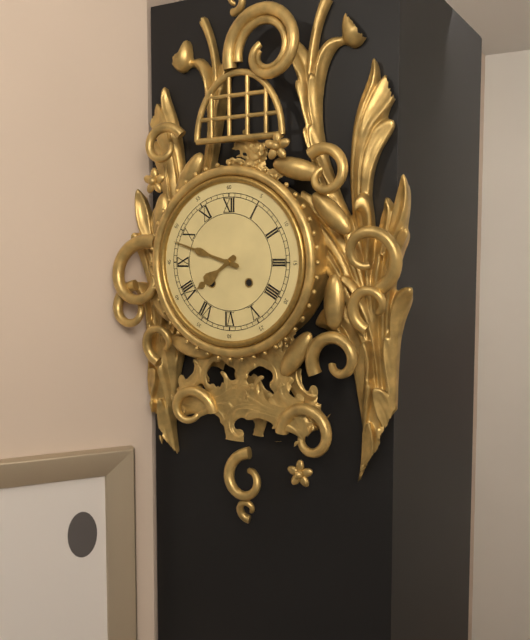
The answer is 7:48
